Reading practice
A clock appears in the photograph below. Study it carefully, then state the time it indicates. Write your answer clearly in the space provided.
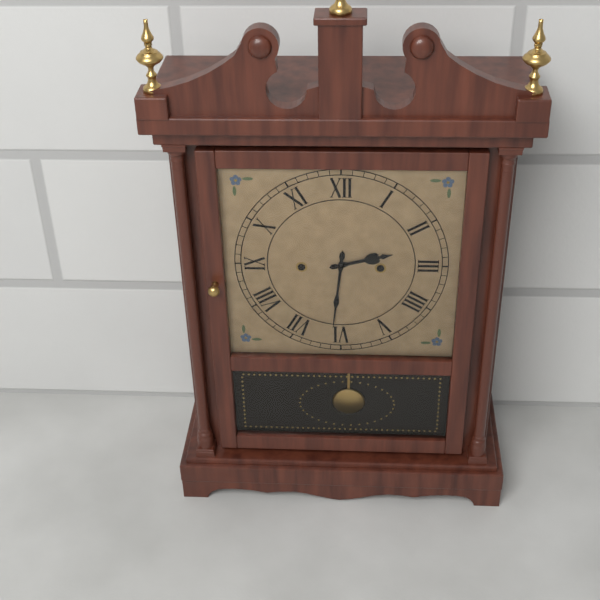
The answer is 2:31
